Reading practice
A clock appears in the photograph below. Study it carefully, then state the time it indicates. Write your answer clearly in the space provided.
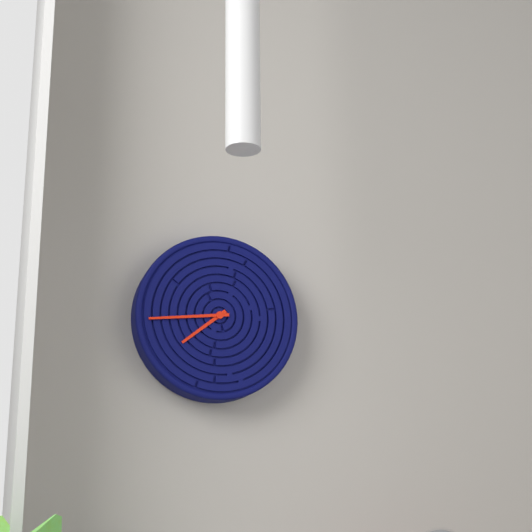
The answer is 7:44
